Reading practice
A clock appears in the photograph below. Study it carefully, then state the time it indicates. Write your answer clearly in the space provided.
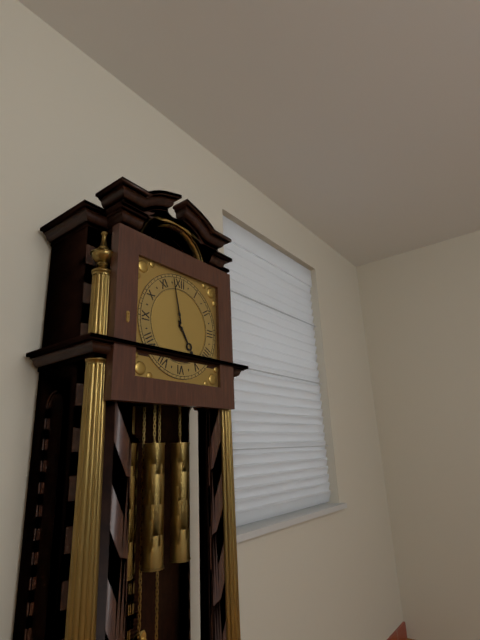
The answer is 4:58
